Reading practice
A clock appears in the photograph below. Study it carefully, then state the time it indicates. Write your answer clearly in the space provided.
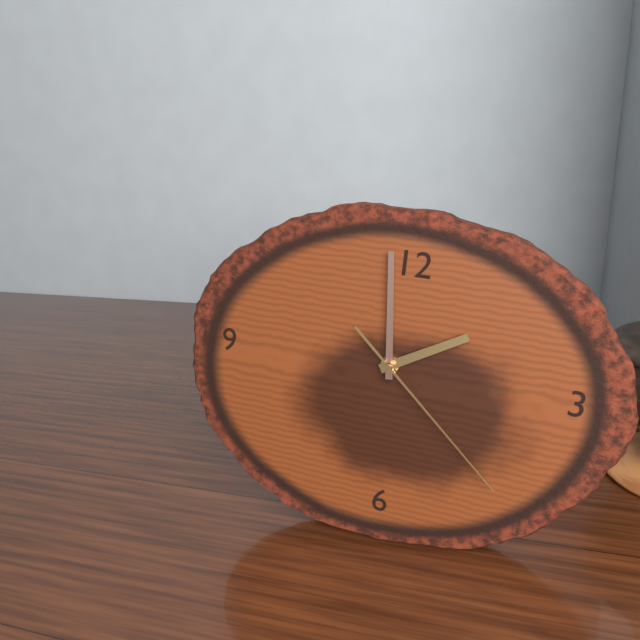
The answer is 1:59:22
